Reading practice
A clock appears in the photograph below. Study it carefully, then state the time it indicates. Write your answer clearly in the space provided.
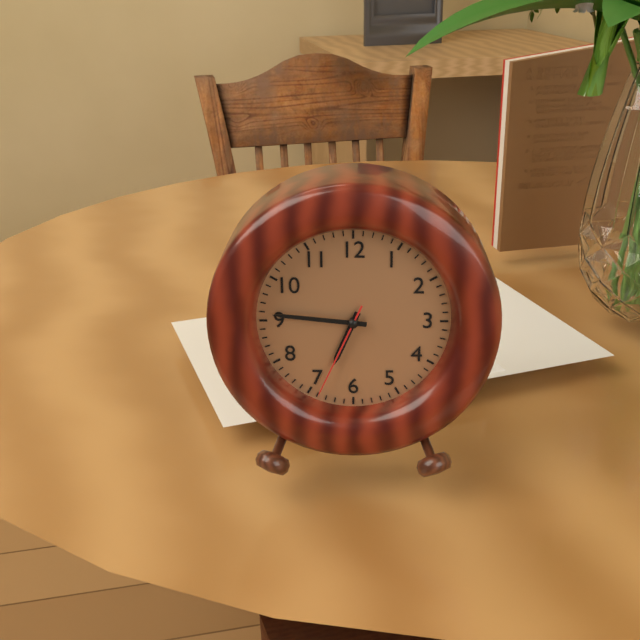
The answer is 6:46:34
